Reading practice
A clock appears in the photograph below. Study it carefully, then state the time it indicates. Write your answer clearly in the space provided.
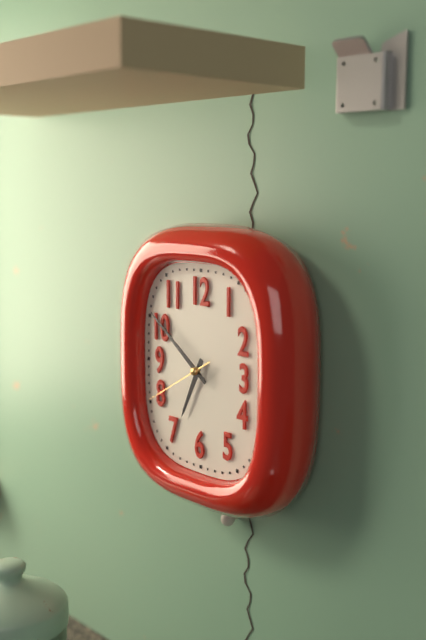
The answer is 6:51:40
